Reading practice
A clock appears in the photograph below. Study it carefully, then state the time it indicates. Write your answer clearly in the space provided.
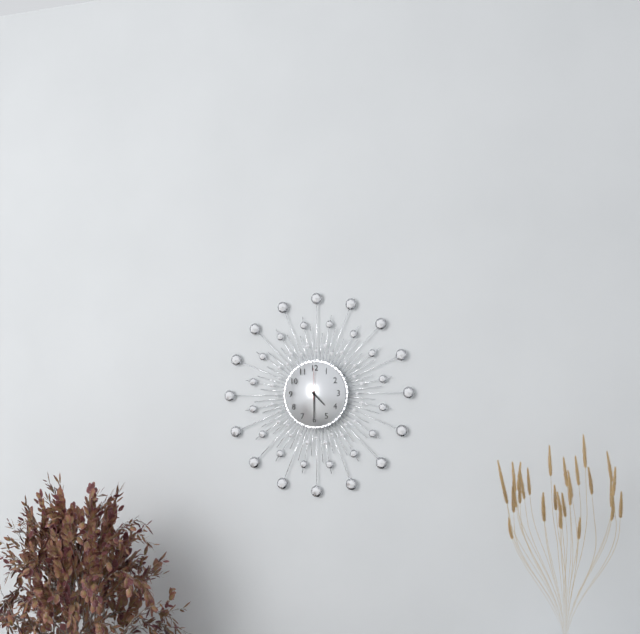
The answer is 4:30
